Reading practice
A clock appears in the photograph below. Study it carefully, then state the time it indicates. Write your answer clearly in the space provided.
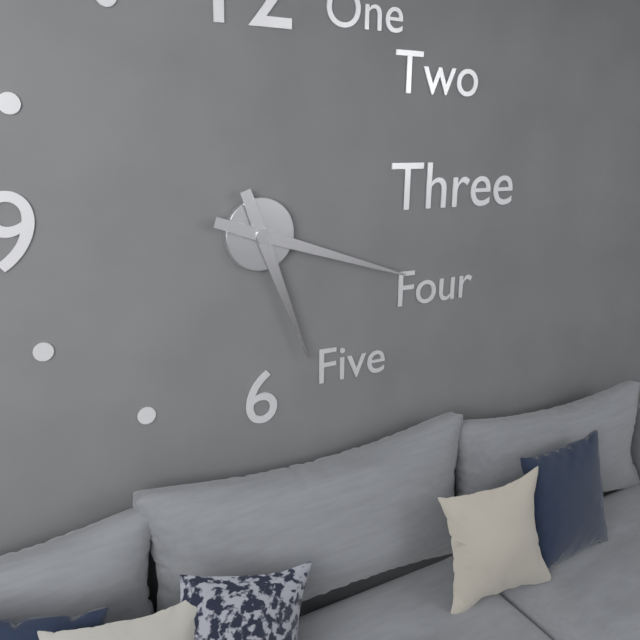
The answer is 5:18
